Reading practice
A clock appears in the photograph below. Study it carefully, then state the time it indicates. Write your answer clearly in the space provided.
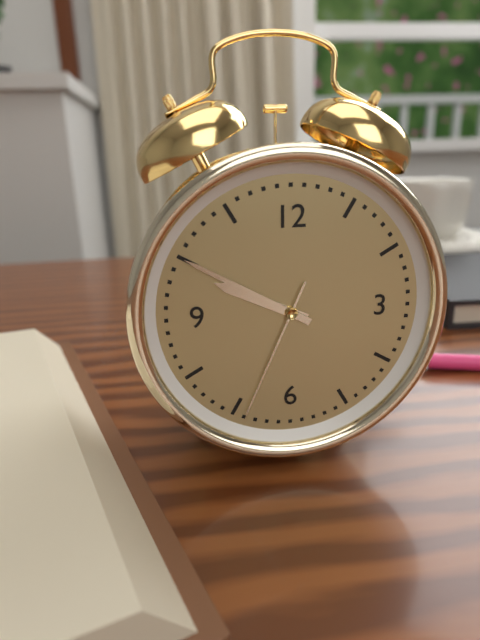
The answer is 9:50:34
